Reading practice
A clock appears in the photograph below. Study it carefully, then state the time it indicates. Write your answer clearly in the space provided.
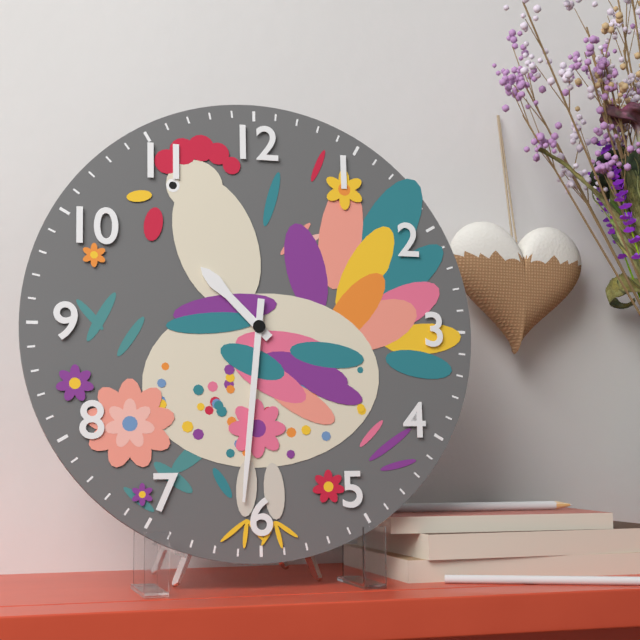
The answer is 10:31
